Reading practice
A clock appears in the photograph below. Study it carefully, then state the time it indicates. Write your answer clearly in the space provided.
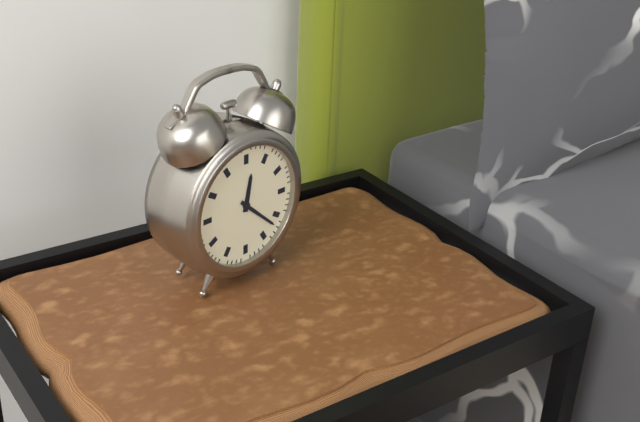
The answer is 12:22
